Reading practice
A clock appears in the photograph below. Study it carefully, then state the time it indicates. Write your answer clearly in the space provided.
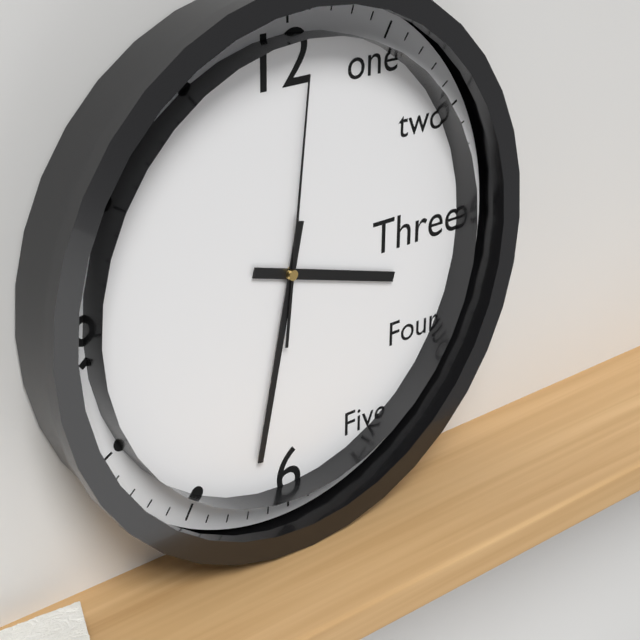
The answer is 3:32:01
